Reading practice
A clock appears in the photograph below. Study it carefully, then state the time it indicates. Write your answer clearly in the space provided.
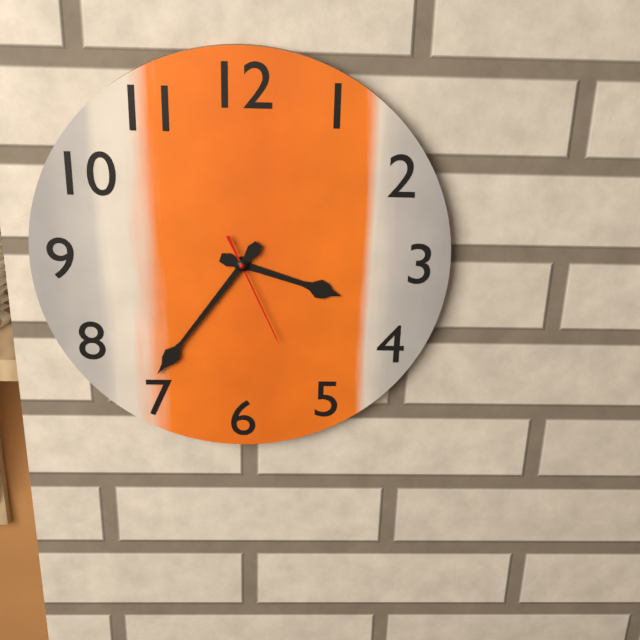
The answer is 3:36:26
